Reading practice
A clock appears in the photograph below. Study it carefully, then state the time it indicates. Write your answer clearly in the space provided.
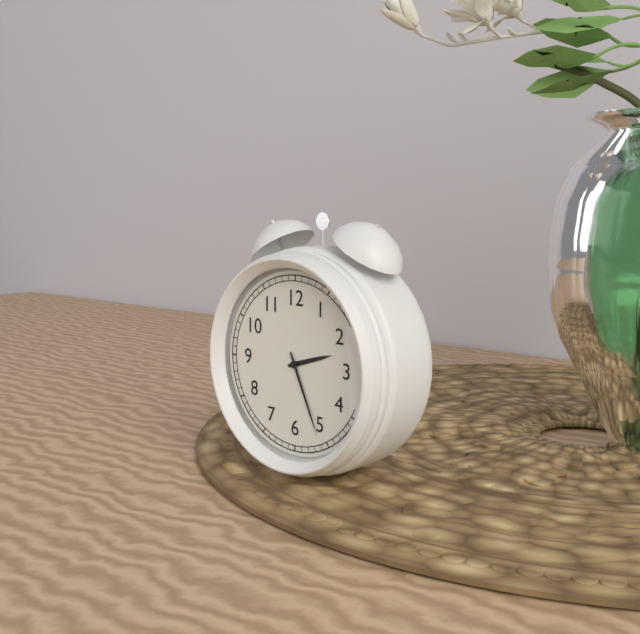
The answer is 2:26
